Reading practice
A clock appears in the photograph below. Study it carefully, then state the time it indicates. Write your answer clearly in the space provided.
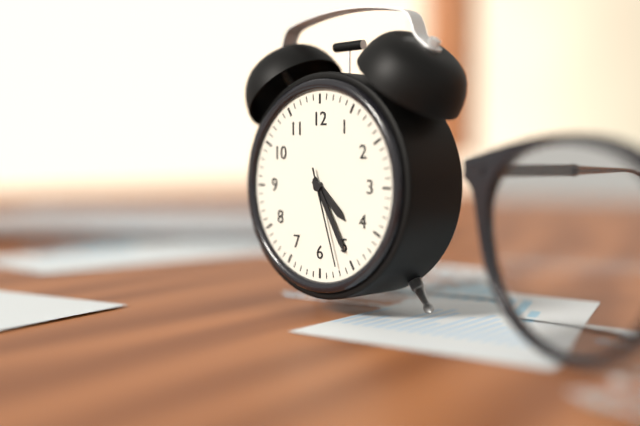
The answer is 4:25:27
